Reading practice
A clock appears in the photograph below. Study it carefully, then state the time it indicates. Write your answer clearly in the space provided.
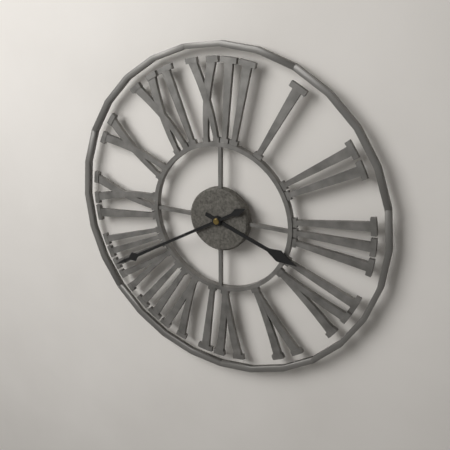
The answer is 3:40
